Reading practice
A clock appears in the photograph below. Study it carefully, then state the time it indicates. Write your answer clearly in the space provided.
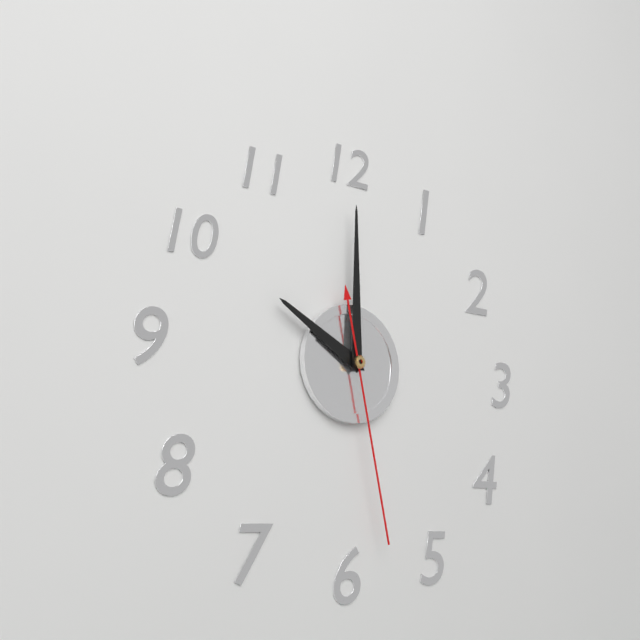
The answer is 10:00:28
